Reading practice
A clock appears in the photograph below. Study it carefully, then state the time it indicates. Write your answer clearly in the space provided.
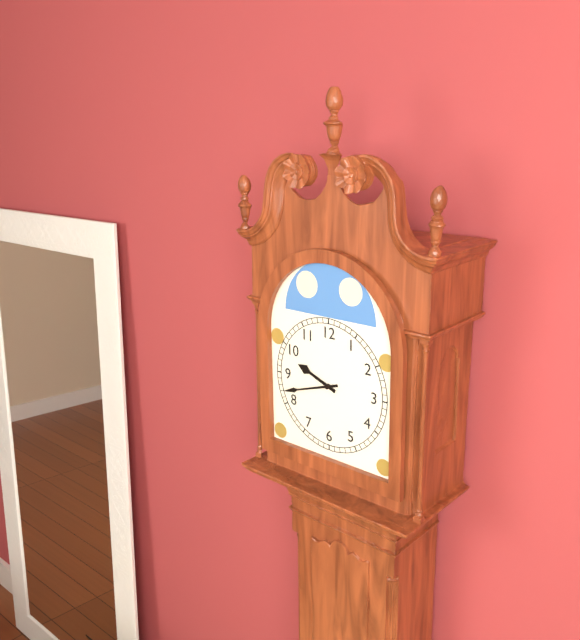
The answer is 9:42
